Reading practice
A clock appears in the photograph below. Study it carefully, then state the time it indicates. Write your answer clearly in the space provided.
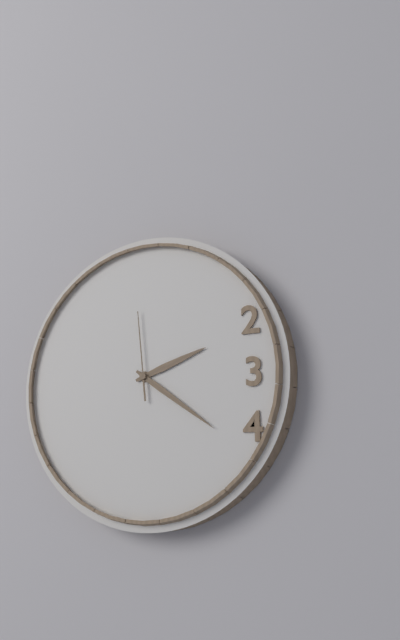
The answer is 2:21:59
